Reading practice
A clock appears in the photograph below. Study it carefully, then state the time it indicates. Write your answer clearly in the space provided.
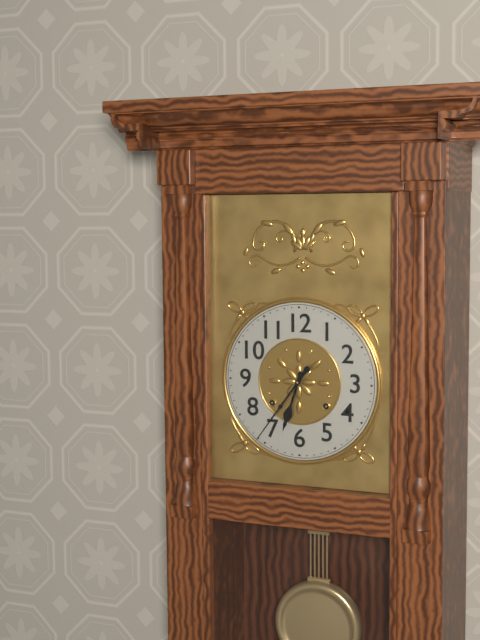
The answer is 6:36
